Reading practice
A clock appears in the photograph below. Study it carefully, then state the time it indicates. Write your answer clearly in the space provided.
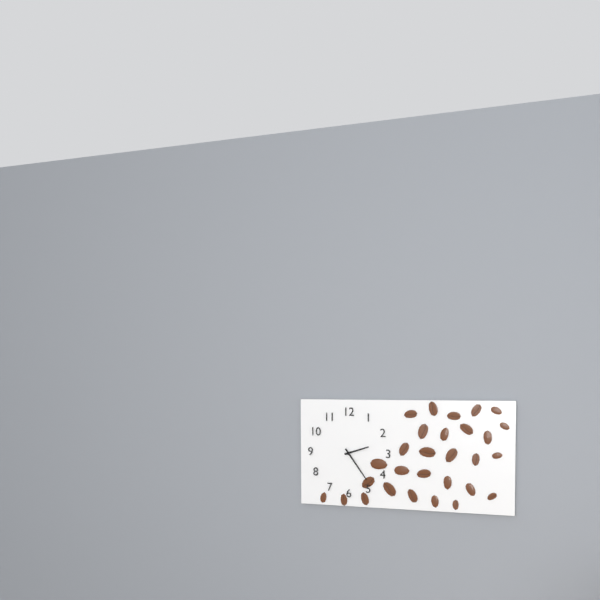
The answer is 2:24
